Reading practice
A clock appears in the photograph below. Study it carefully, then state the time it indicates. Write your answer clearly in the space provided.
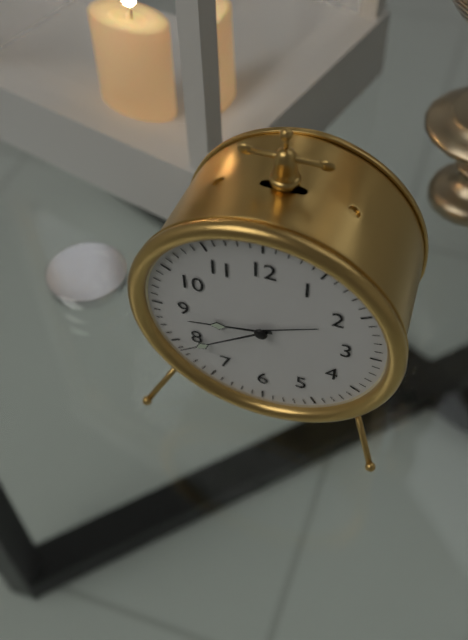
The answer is 8:39
